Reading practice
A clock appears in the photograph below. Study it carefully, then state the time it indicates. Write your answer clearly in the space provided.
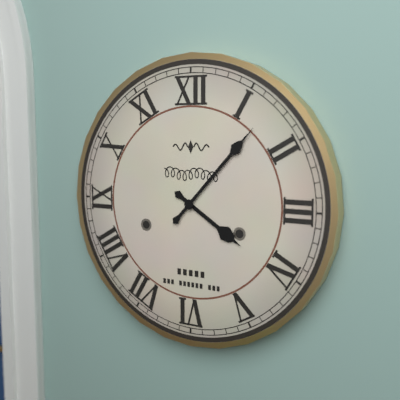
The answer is 4:07
